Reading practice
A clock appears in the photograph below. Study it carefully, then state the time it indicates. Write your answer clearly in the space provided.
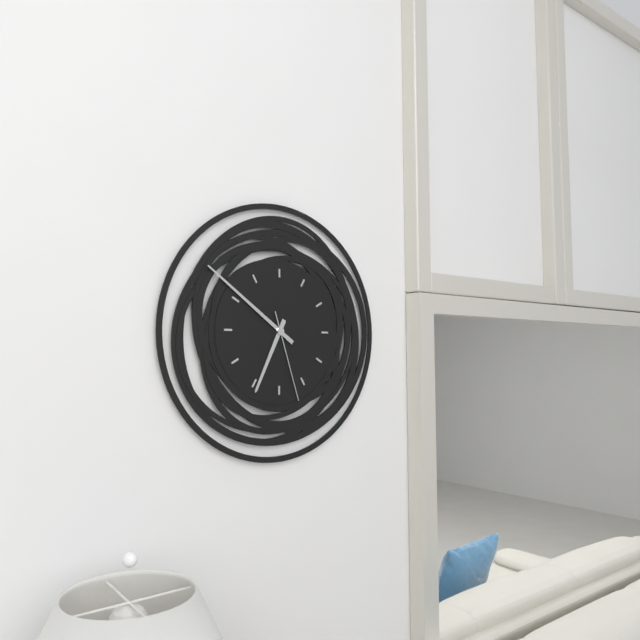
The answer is 6:51:27
